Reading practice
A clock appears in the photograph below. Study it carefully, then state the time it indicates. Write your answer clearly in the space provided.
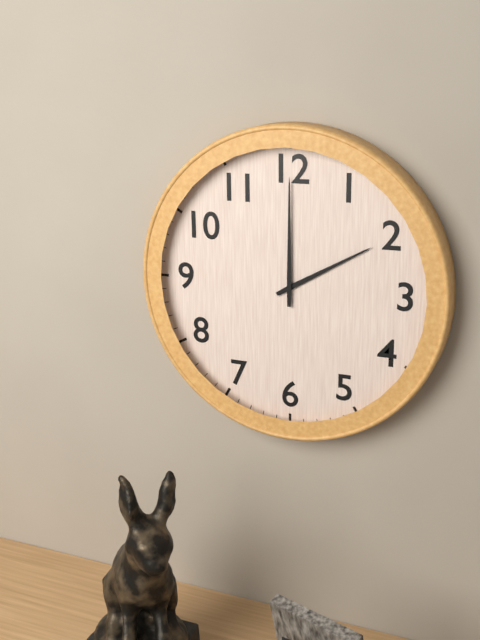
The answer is 2:00
